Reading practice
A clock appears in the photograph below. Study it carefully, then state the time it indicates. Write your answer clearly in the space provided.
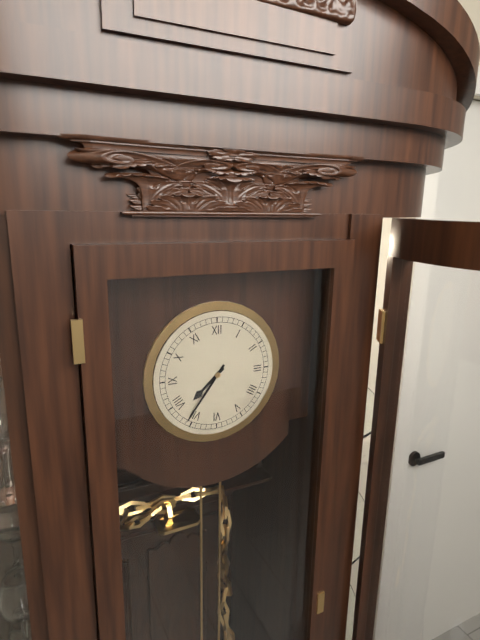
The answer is 7:36
